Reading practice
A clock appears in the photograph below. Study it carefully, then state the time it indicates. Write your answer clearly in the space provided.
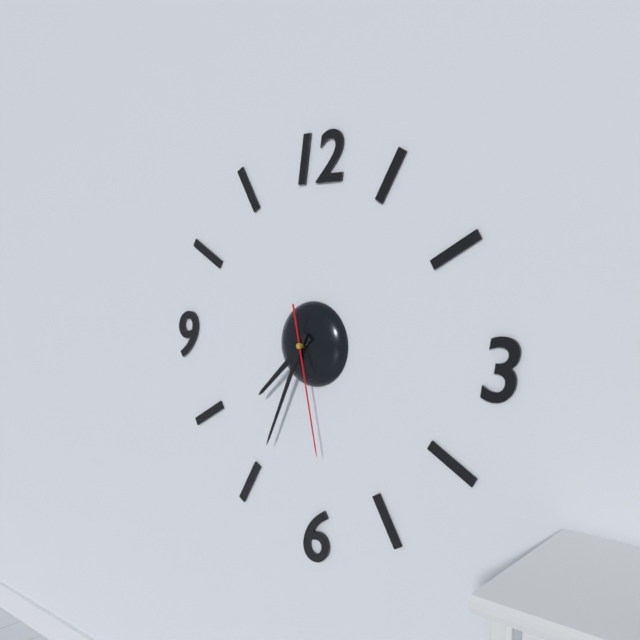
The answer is 7:34:28
